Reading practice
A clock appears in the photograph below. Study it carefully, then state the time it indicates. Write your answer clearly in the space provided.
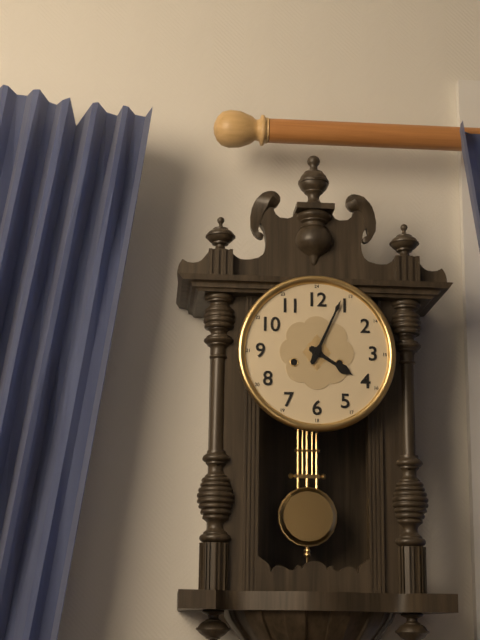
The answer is 4:04
